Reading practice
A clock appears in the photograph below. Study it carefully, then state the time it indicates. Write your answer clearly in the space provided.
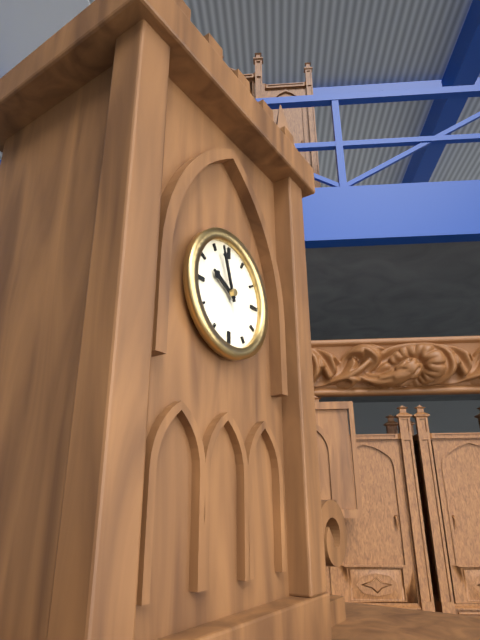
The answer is 9:57
